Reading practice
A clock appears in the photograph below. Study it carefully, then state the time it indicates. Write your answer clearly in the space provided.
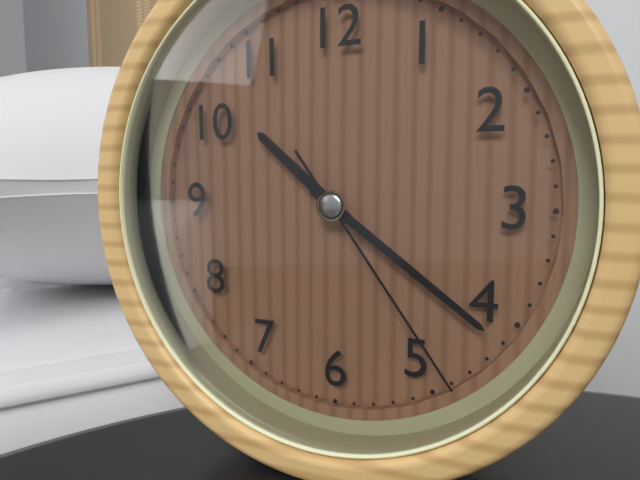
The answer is 10:21:24
